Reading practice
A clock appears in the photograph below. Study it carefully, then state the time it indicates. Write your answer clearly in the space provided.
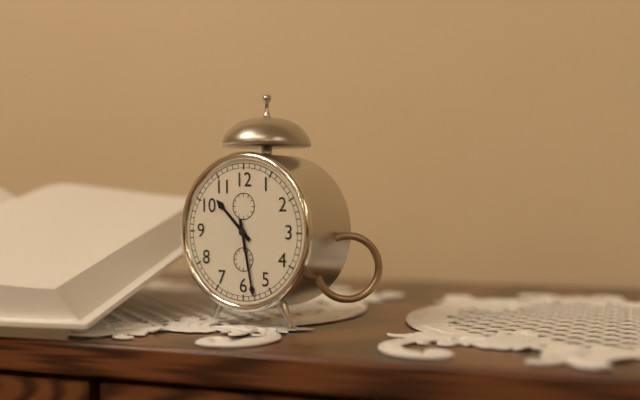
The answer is 10:28
